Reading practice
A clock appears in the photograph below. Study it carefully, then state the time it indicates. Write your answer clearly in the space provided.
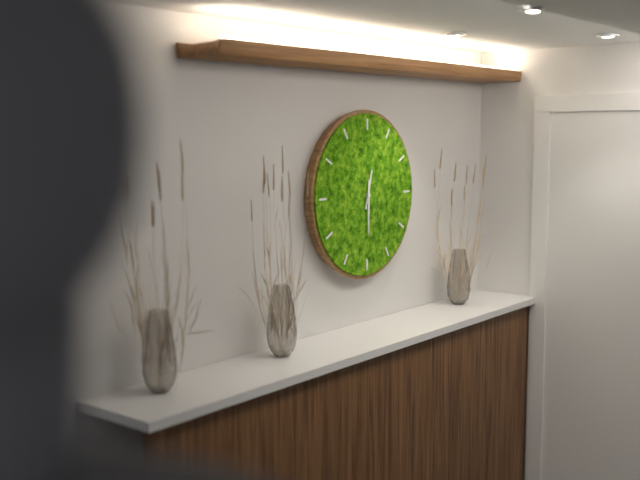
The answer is 12:30
